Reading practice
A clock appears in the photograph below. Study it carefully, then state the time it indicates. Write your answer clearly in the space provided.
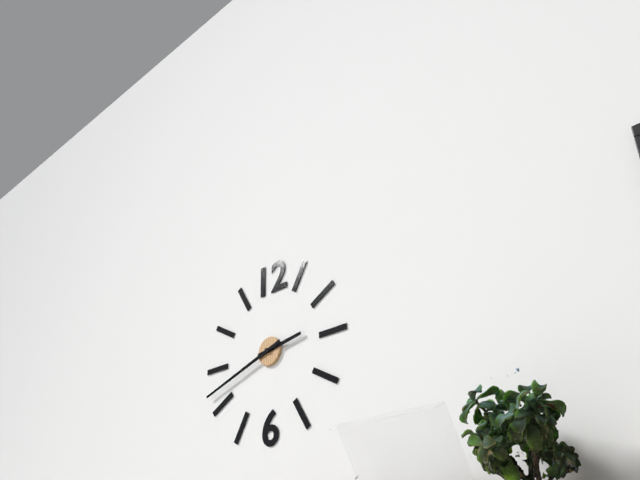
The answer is 2:42
